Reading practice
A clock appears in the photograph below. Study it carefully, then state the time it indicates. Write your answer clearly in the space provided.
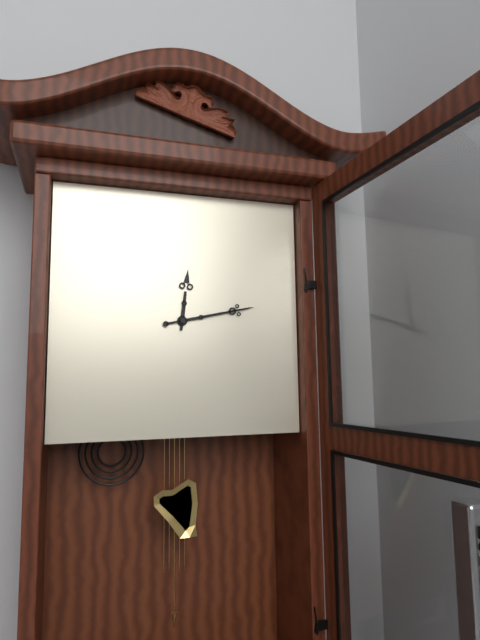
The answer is 12:13
